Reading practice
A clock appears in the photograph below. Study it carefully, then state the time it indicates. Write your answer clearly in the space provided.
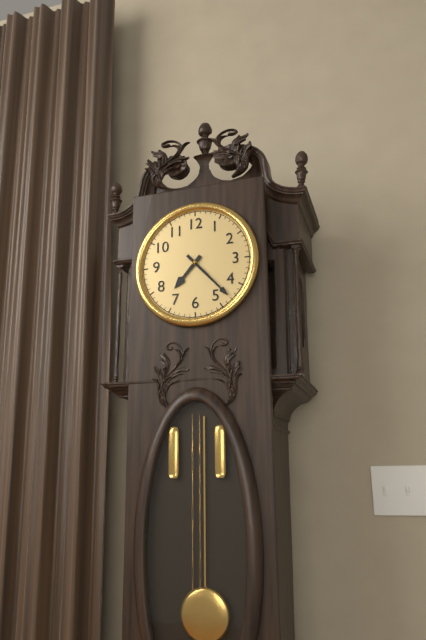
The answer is 7:23
